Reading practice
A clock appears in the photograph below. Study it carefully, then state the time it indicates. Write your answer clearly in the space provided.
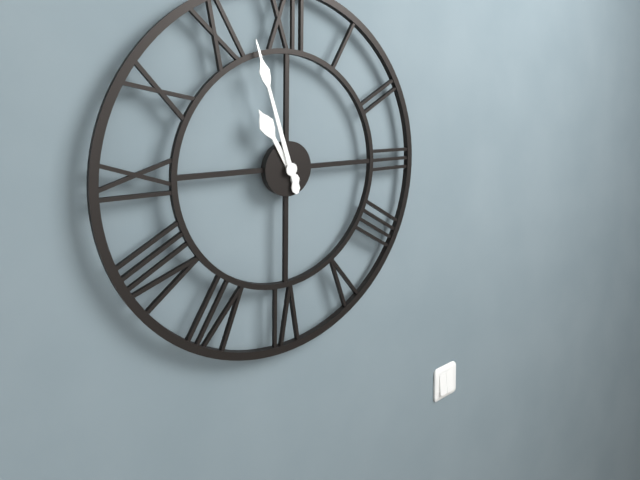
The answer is 10:57
